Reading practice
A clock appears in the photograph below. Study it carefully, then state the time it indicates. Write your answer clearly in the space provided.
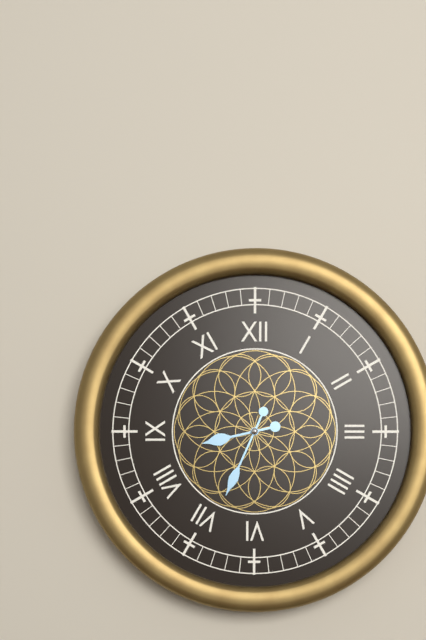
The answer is 8:34
